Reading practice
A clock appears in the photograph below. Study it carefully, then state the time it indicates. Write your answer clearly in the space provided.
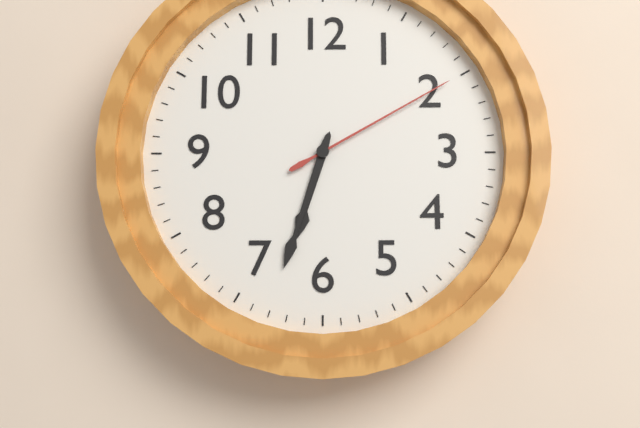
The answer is 6:33:10
